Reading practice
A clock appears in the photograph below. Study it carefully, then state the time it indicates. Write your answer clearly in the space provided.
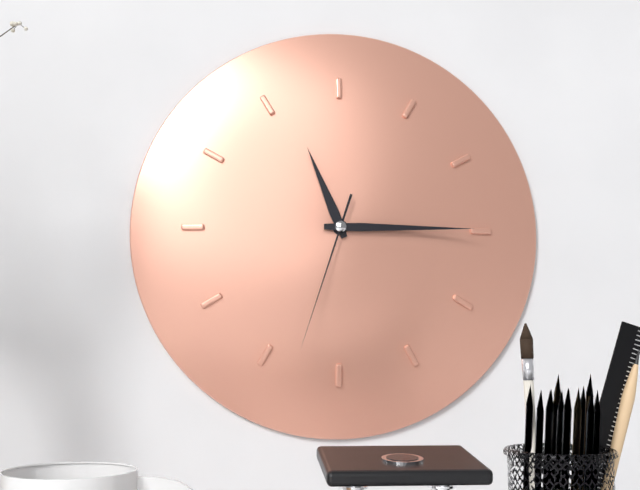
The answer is 11:15:33
